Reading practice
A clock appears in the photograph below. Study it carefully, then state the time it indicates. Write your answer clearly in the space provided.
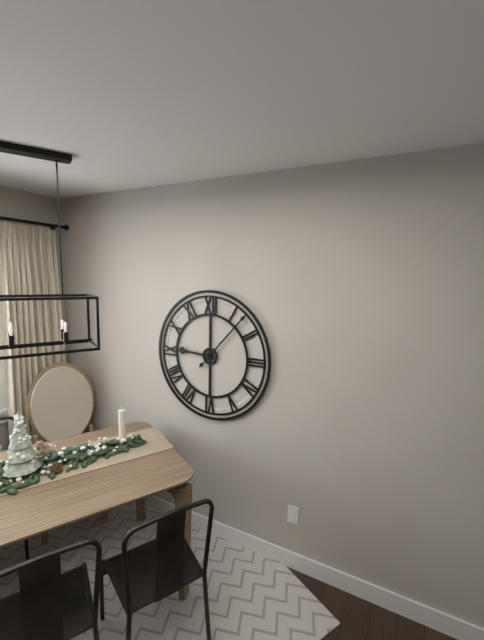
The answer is 9:07
